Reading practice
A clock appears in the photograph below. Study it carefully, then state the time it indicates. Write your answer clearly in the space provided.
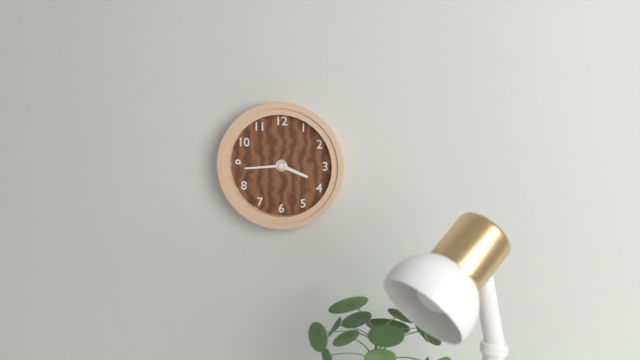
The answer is 3:44
